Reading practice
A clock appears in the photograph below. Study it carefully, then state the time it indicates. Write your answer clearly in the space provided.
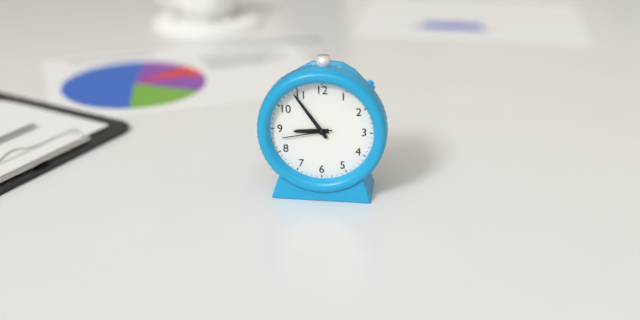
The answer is 8:54:43
